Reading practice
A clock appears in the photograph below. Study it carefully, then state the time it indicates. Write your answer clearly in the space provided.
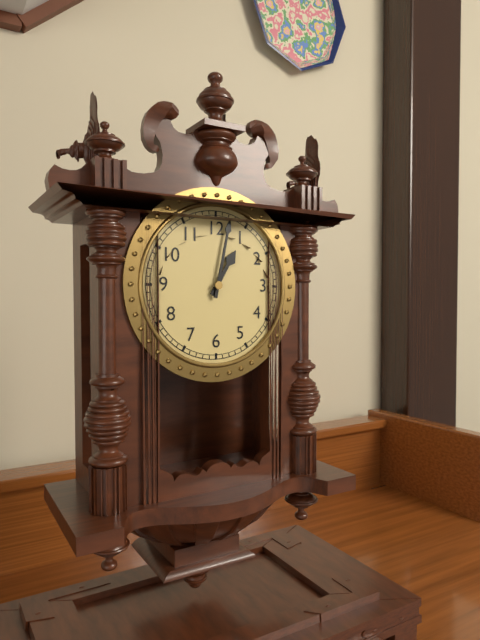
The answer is 1:02
